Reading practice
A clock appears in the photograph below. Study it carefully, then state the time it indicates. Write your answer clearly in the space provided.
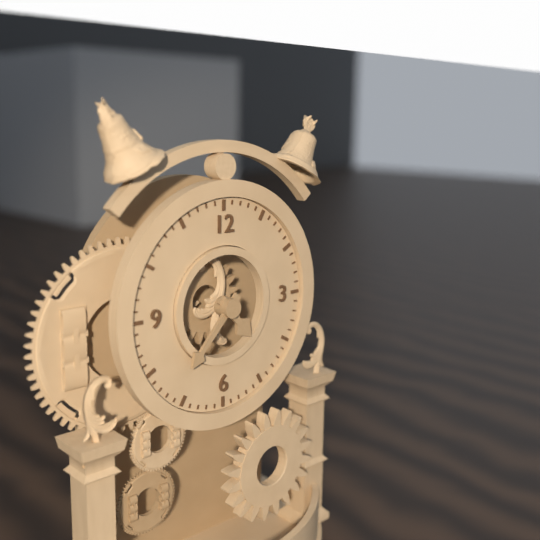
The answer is 4:37
